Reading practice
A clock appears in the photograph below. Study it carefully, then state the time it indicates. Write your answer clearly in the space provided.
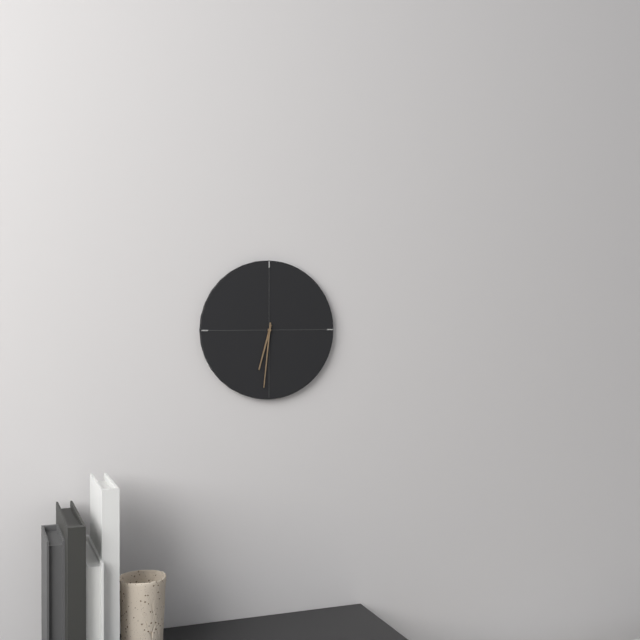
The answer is 6:31
